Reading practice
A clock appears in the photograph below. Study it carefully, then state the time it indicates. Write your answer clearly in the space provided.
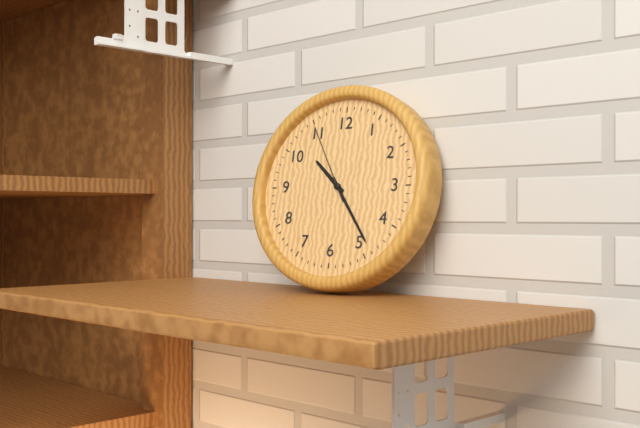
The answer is 10:24:55
